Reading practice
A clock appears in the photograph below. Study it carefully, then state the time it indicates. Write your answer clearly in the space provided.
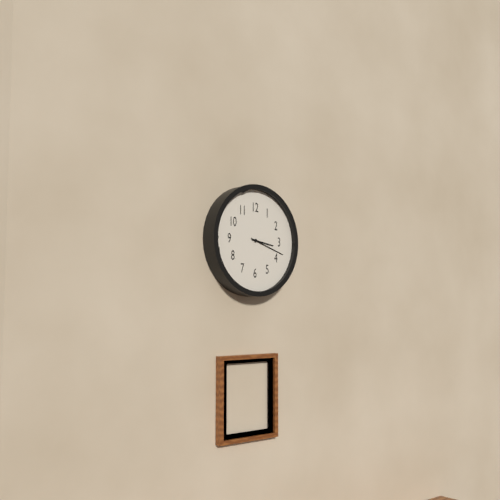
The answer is 3:18
